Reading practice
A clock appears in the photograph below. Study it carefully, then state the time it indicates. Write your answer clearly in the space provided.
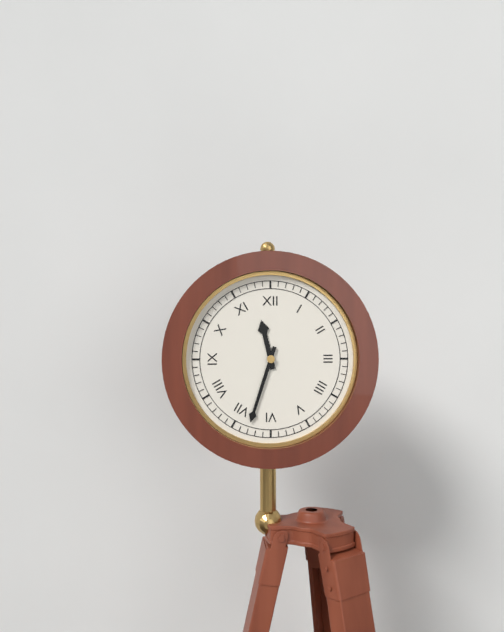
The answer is 11:33
